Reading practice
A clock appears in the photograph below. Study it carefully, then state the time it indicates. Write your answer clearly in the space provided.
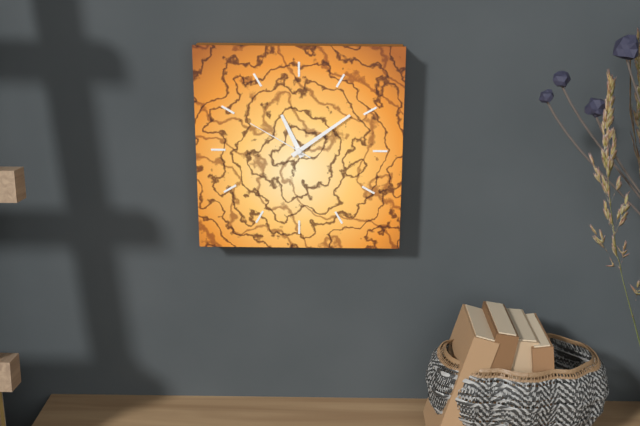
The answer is 11:09:50
